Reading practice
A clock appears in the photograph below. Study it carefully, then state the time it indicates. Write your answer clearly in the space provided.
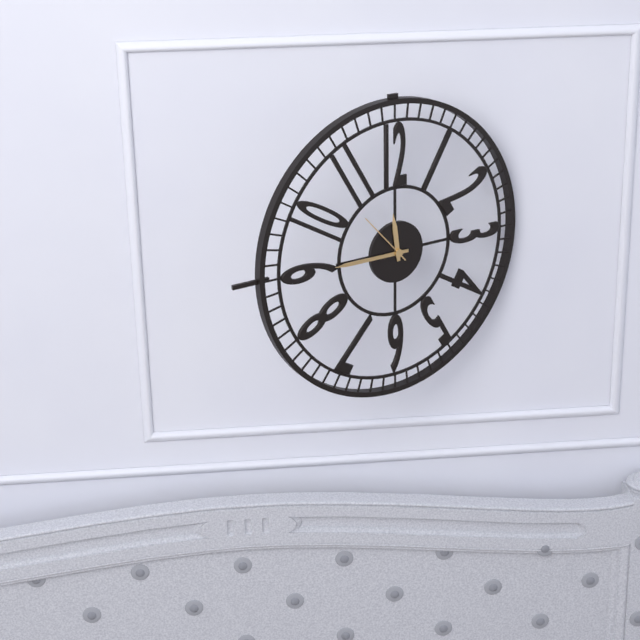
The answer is 11:45:53
